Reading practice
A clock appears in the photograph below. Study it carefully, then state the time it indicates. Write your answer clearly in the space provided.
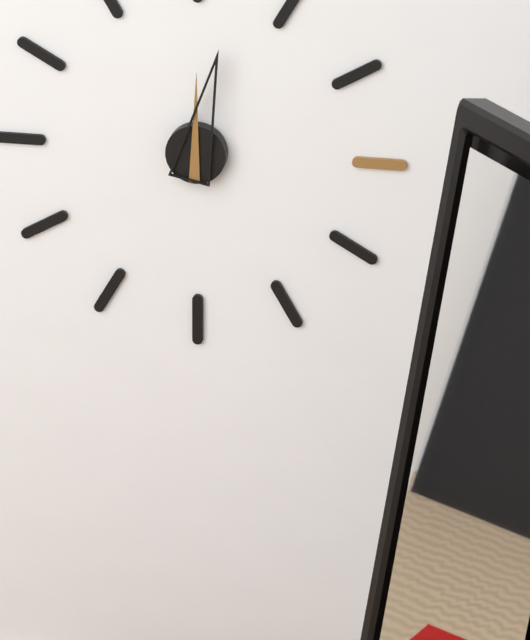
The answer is 12:02
